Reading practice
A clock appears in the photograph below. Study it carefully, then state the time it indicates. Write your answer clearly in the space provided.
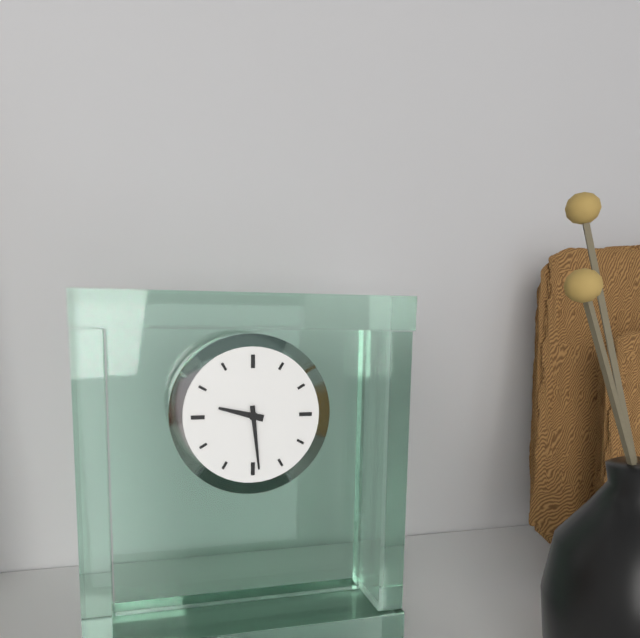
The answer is 9:29
